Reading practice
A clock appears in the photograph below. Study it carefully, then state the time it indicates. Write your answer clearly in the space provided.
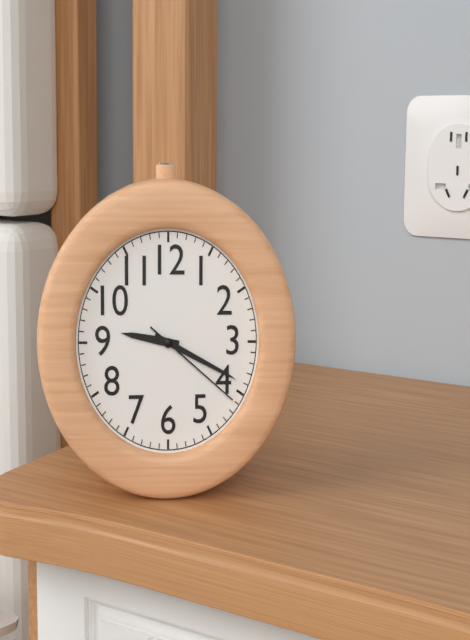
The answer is 9:19:21
